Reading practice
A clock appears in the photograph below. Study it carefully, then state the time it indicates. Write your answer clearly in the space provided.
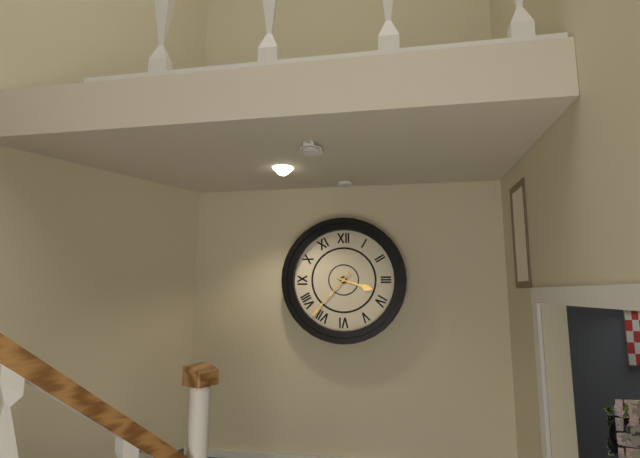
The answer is 3:37
